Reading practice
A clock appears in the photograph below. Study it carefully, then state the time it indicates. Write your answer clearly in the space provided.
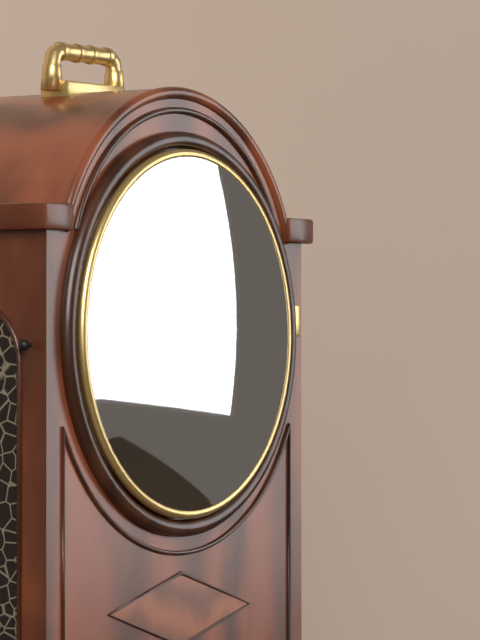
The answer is 5:45
